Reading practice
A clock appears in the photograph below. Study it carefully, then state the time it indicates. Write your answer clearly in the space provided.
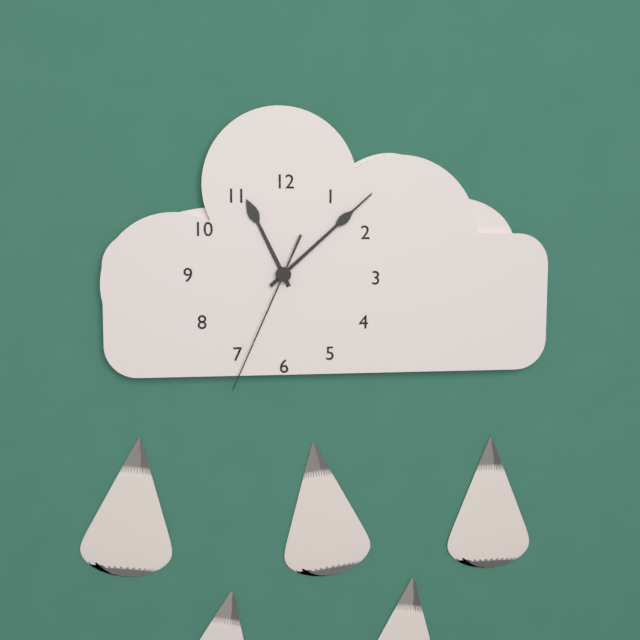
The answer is 11:08:34
